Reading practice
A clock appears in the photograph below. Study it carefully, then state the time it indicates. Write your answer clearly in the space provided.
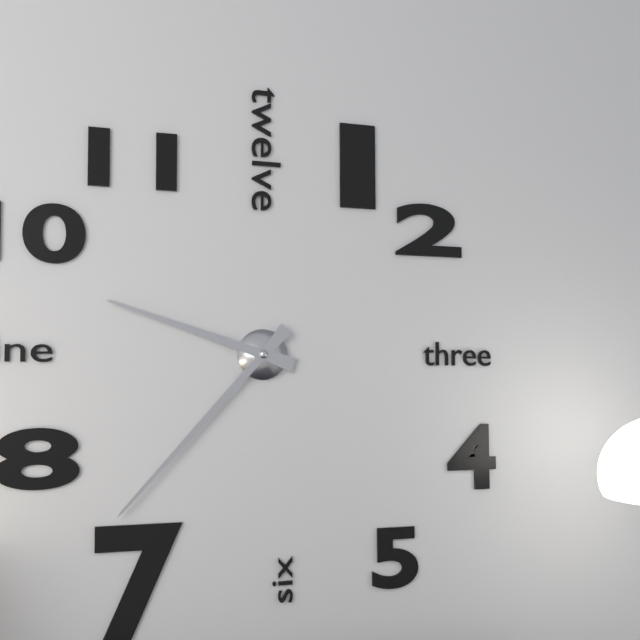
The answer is 9:37
